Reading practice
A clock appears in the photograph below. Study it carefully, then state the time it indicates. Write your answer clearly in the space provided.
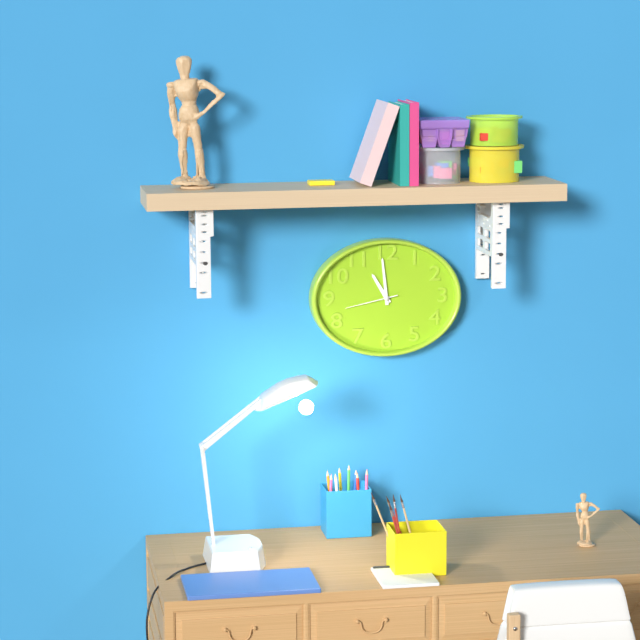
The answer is 10:59:43
